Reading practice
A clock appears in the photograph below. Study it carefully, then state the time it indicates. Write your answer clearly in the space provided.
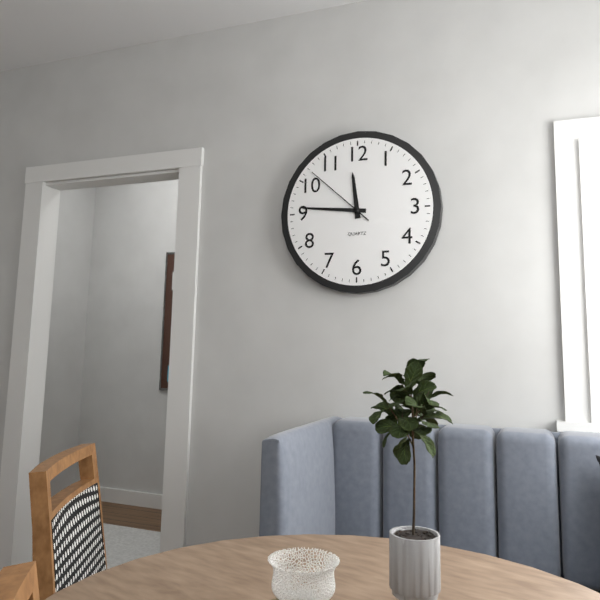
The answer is 11:46:52
